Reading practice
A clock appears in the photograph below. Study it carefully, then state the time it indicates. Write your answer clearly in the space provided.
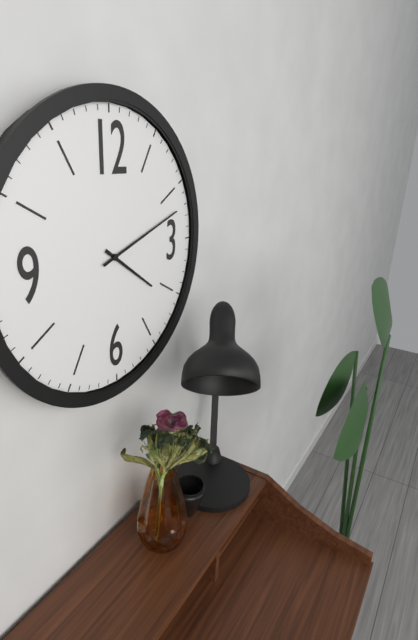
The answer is 4:12
